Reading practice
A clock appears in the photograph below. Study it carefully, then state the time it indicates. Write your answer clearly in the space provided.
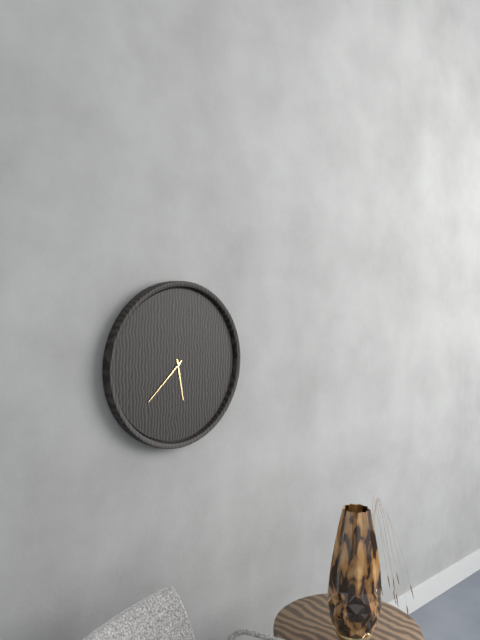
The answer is 5:38
